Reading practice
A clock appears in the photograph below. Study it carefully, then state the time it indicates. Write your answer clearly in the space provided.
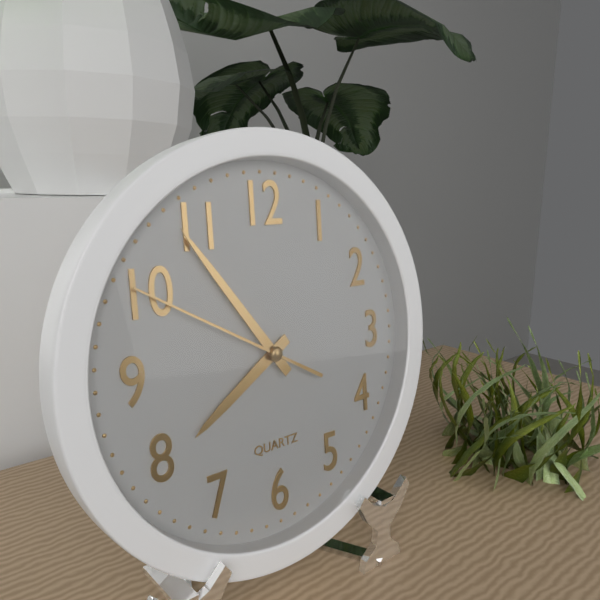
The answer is 7:54:50
